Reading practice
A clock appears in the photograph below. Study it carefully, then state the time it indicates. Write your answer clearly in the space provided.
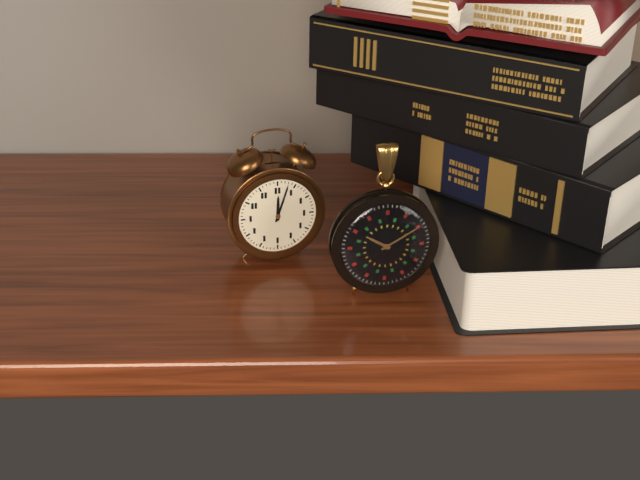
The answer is 12:03
